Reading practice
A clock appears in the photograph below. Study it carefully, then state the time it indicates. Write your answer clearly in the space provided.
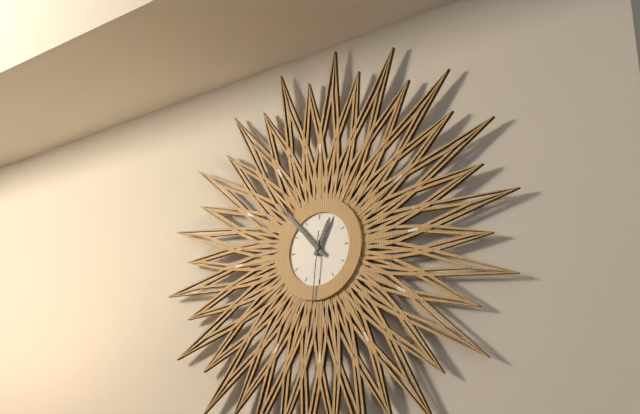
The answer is 12:53:31
